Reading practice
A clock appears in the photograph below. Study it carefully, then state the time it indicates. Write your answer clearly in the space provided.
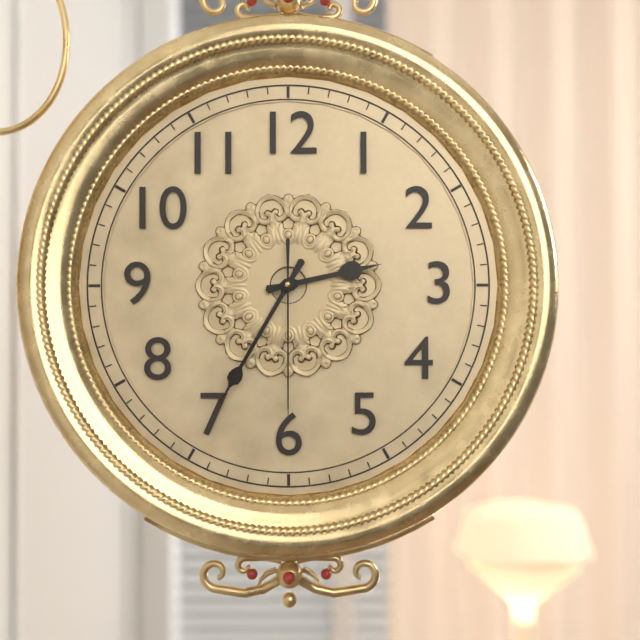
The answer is 2:35:30
